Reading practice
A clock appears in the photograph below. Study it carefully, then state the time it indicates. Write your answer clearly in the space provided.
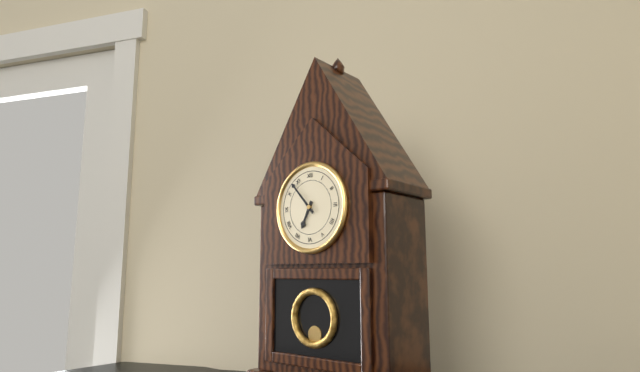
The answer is 6:53
